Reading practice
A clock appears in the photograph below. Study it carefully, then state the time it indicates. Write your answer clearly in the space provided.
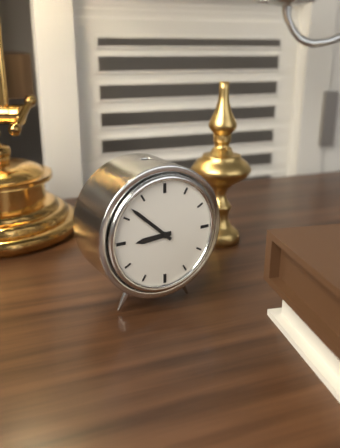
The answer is 8:52
